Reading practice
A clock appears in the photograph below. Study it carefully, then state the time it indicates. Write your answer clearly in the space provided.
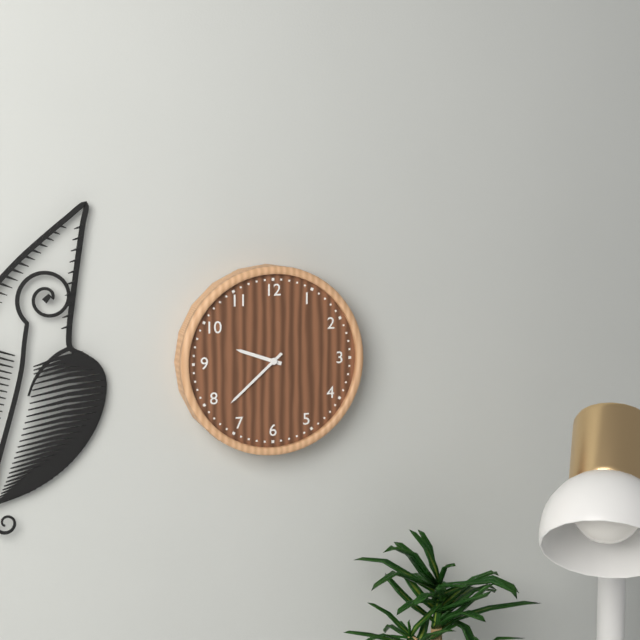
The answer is 9:38
